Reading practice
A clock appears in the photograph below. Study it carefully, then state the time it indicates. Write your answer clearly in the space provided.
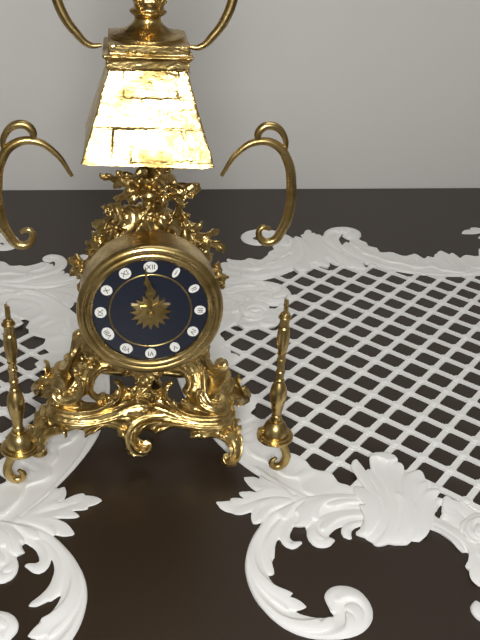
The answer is 11:59
